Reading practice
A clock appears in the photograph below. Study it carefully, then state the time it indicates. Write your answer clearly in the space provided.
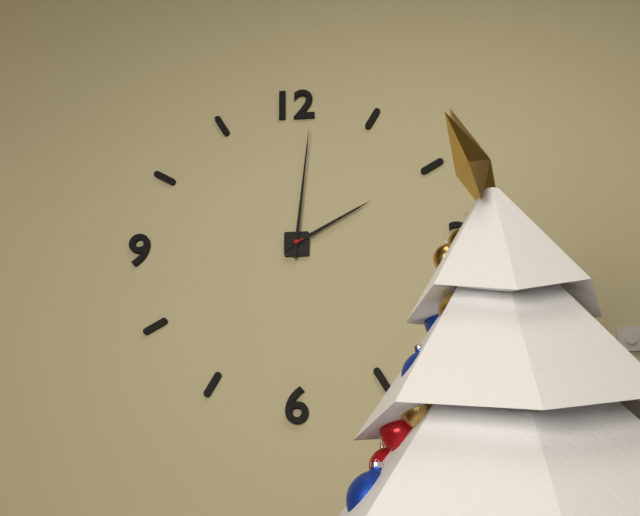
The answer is 2:01
